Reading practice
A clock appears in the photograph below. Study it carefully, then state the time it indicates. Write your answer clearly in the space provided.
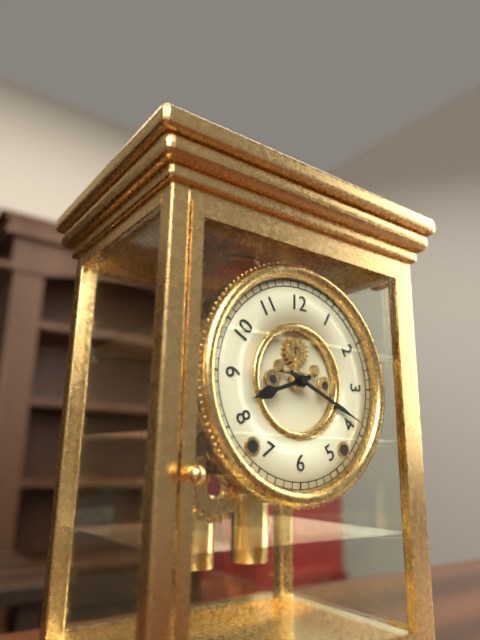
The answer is 8:19
